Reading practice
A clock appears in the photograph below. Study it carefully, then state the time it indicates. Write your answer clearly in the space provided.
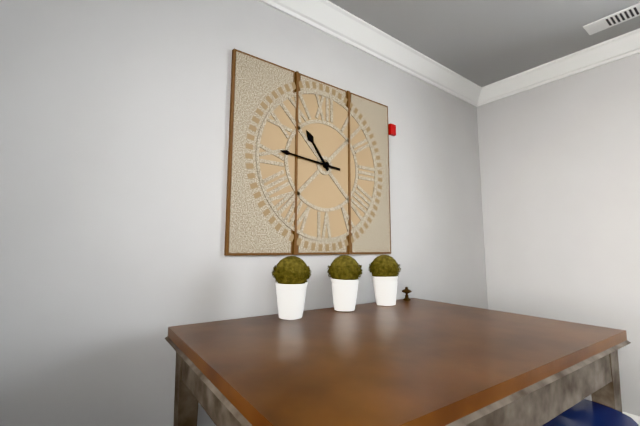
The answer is 10:46
